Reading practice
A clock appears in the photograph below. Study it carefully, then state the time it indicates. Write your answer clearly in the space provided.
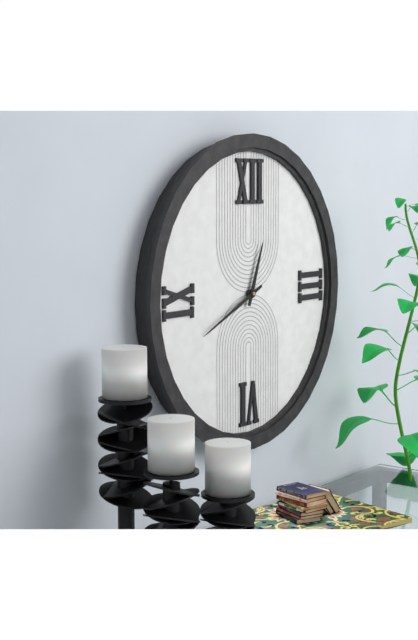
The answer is 12:41
